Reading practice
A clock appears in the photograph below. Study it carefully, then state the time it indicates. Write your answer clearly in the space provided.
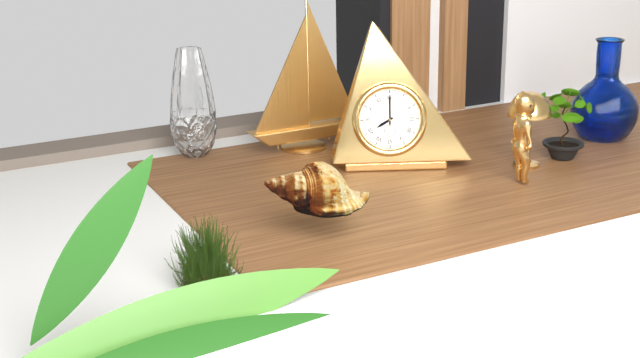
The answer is 8:00
